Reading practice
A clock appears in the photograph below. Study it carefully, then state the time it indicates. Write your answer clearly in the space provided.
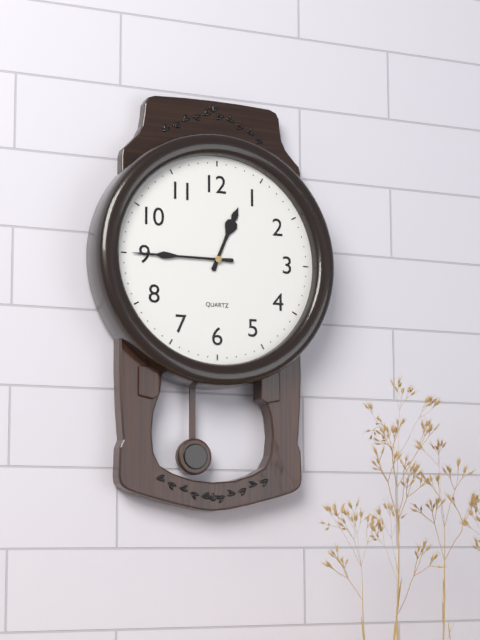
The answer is 12:45
